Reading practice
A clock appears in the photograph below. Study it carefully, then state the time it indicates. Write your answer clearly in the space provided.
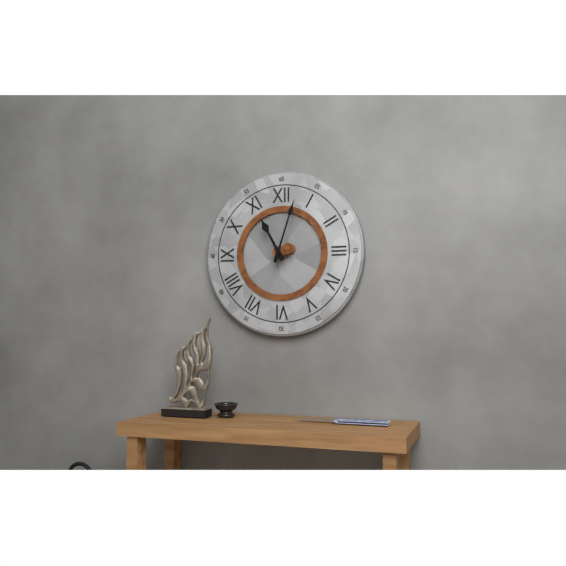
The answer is 11:03
